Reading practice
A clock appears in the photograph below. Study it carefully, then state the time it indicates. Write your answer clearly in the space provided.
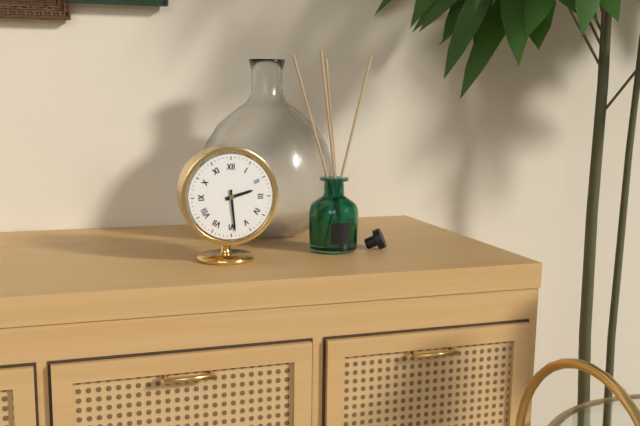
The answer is 2:29
